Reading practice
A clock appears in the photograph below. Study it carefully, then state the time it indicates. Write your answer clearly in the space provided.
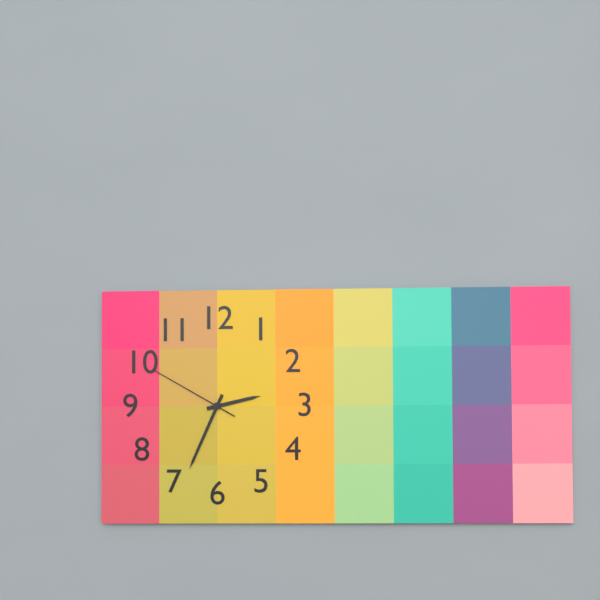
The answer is 2:34:50
